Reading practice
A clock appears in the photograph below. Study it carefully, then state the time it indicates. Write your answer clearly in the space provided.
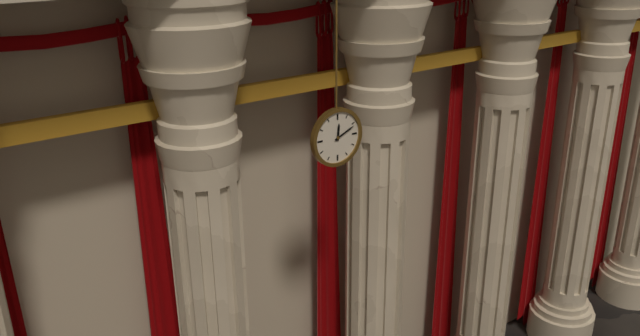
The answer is 12:11
